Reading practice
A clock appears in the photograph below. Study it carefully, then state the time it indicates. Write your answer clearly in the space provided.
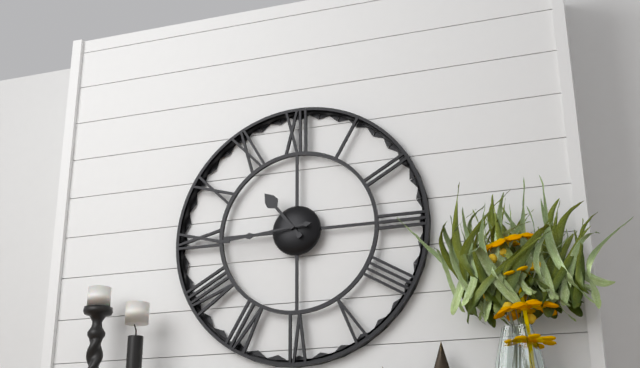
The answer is 10:44
